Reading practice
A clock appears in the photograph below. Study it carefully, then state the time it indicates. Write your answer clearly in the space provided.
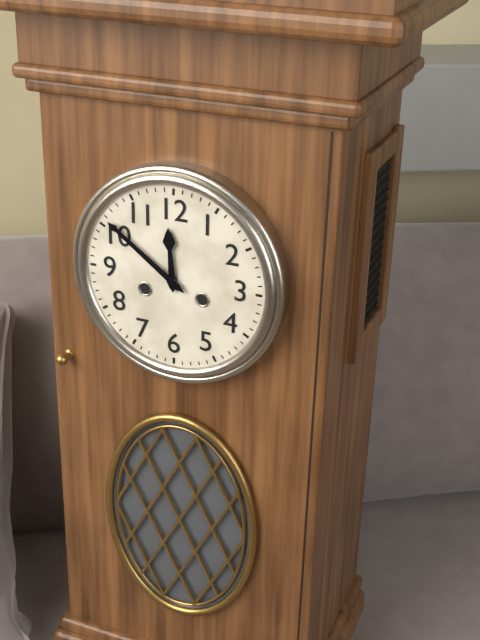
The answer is 11:51
